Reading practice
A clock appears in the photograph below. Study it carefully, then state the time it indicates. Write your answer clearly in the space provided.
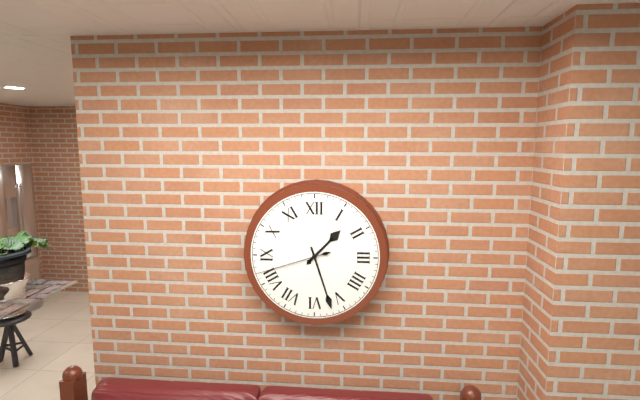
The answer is 1:27:42
